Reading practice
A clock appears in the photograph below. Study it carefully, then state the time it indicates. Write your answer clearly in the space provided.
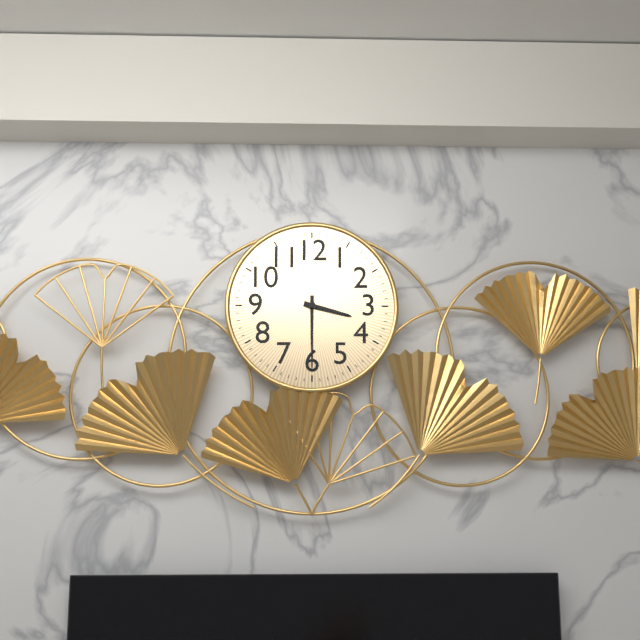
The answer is 3:30
